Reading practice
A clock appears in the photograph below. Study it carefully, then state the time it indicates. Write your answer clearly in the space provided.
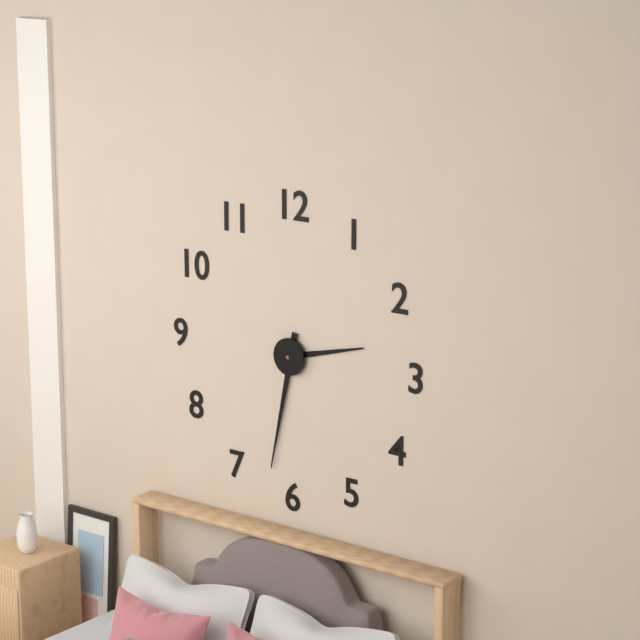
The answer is 2:32
